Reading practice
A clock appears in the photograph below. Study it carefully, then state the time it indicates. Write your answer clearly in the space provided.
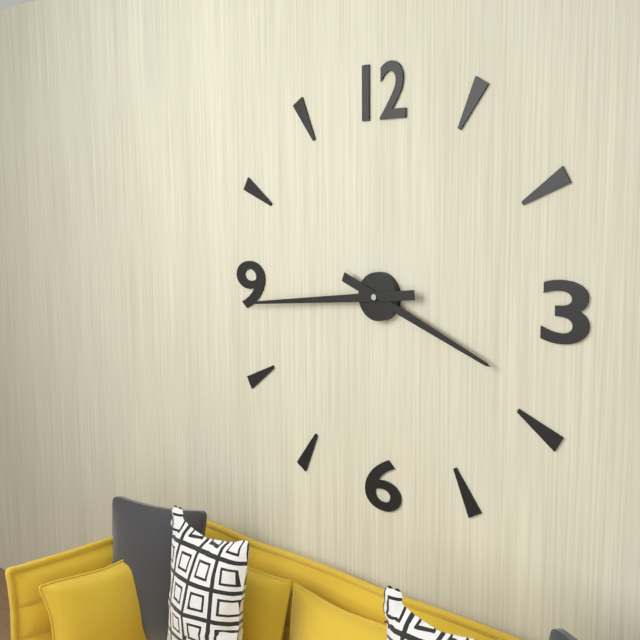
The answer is 3:44
